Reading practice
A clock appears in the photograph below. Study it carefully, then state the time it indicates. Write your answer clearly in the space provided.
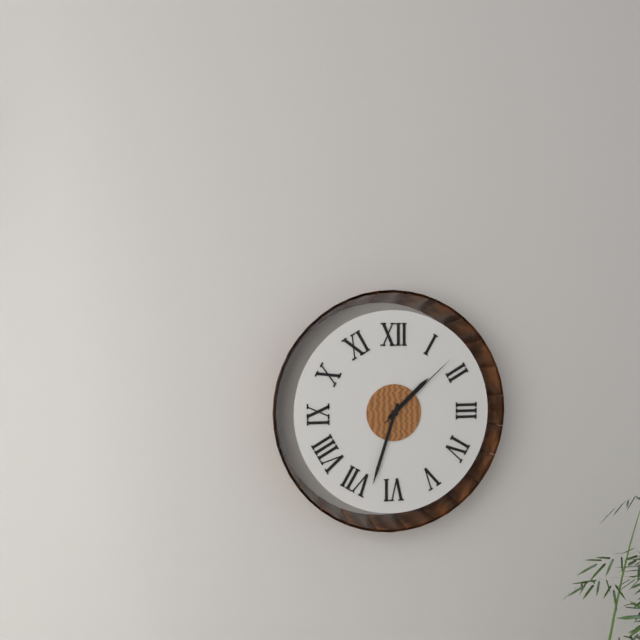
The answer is 1:33:08
